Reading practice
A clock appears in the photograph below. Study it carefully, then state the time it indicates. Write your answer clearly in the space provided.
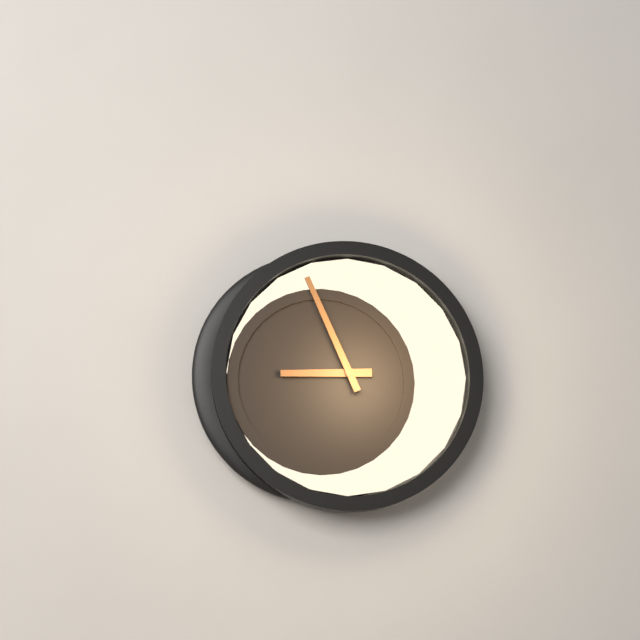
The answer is 8:56
